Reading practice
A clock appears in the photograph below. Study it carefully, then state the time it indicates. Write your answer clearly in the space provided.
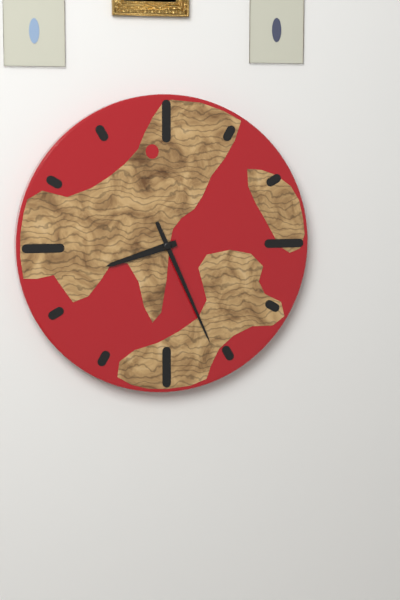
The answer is 8:26
